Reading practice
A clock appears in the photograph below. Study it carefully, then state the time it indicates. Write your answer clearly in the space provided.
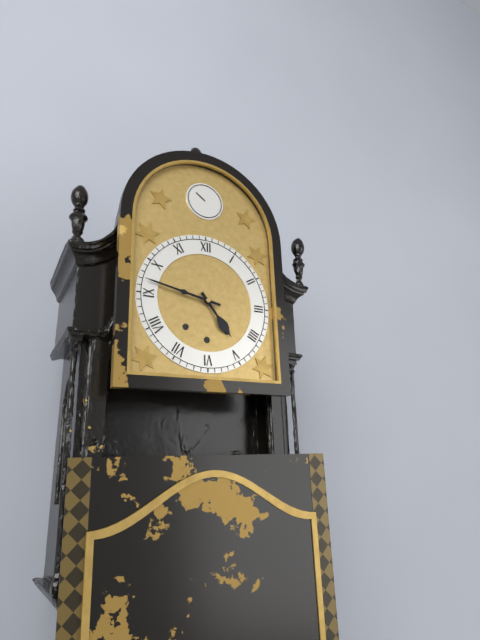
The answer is 4:47
